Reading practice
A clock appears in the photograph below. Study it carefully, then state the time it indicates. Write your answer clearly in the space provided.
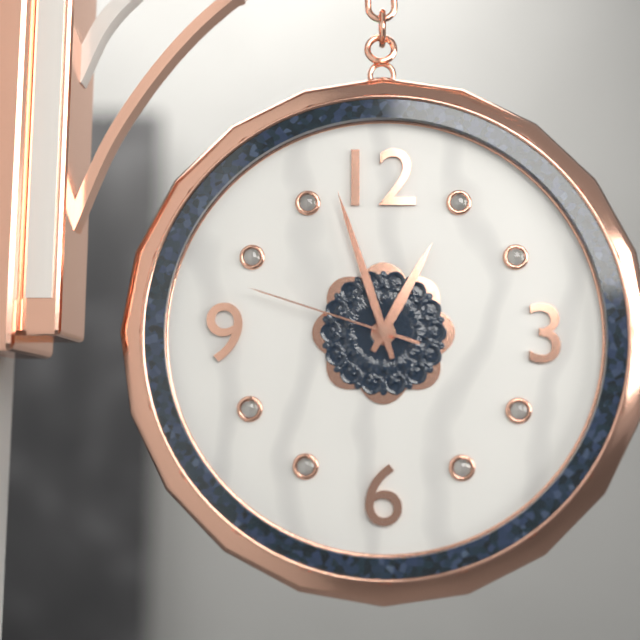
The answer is 12:57:48
